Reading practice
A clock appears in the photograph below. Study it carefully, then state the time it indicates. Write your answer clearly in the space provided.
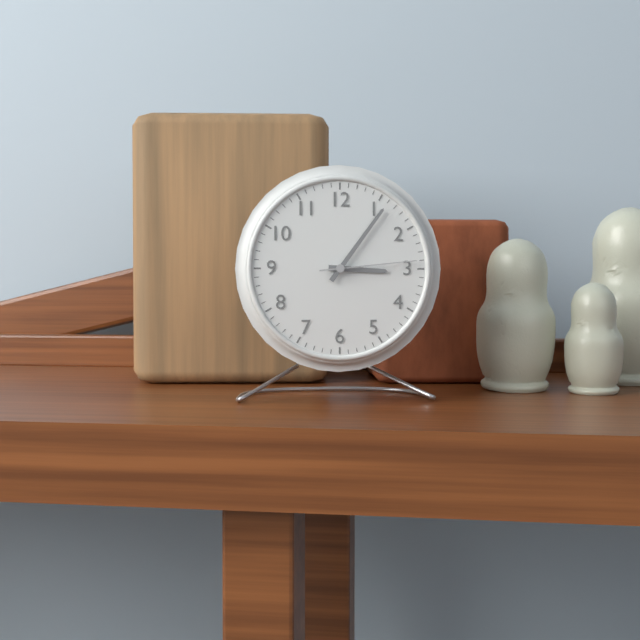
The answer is 3:06:14
